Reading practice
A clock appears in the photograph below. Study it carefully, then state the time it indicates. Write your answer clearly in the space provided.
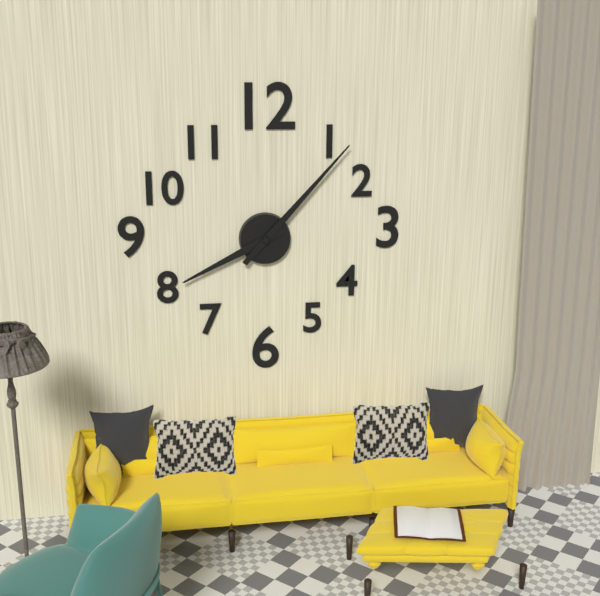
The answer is 8:07
